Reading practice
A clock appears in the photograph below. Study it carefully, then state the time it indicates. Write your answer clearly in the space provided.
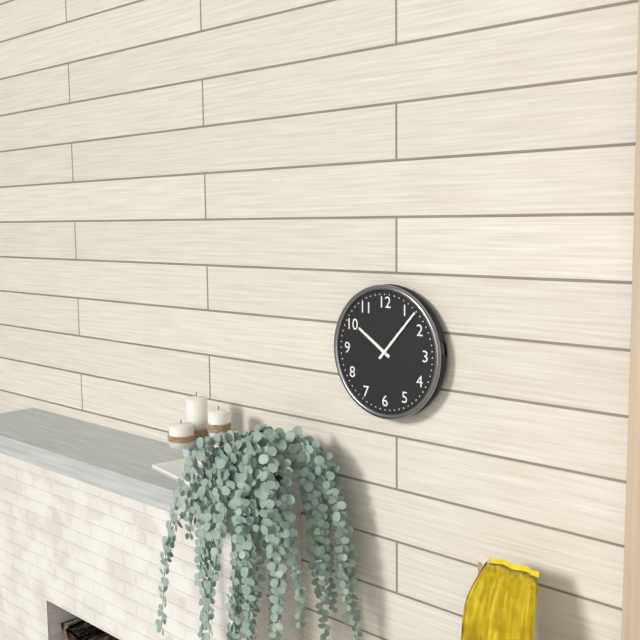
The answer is 10:07
